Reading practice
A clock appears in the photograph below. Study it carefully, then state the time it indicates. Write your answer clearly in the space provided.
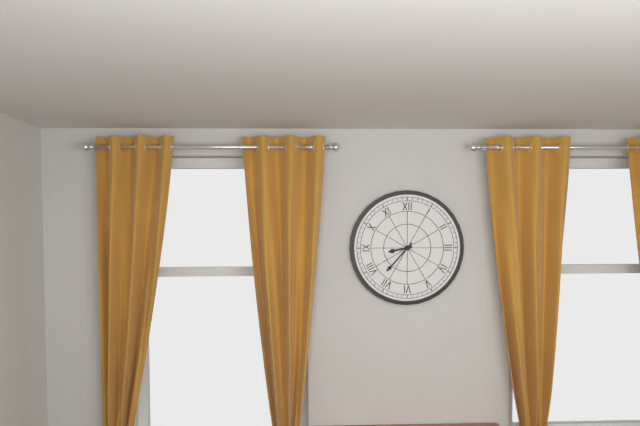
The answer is 8:37
